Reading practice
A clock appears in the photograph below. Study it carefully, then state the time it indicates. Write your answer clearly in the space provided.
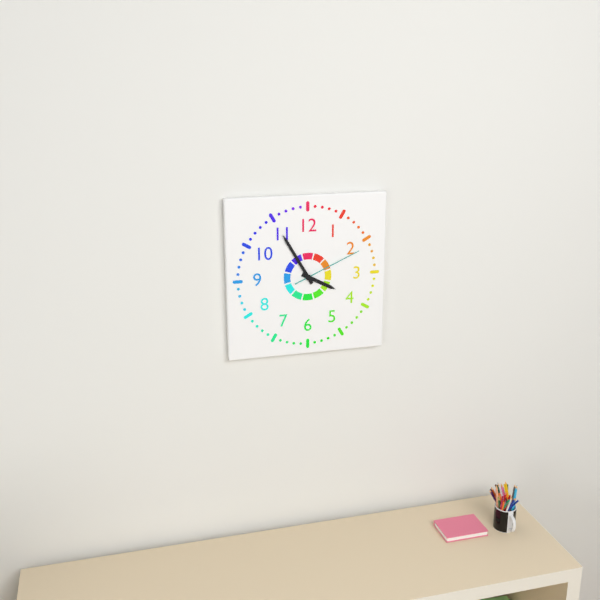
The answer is 3:55:11
